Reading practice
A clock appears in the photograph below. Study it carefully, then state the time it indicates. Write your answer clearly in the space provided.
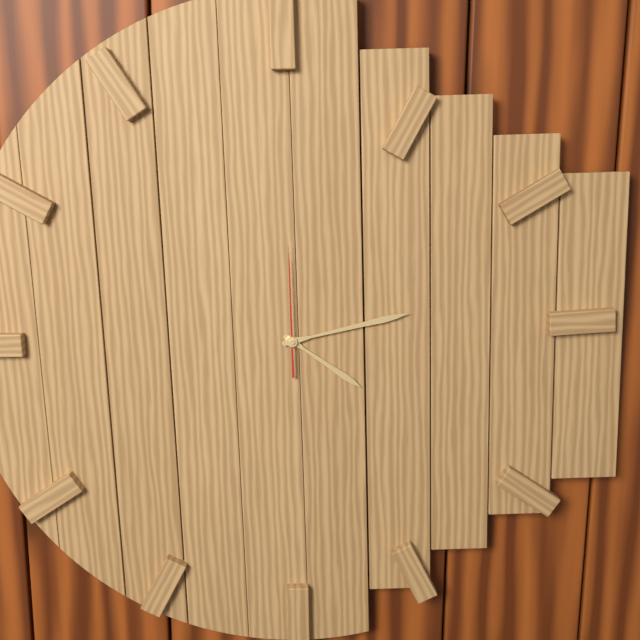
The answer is 4:13:00
